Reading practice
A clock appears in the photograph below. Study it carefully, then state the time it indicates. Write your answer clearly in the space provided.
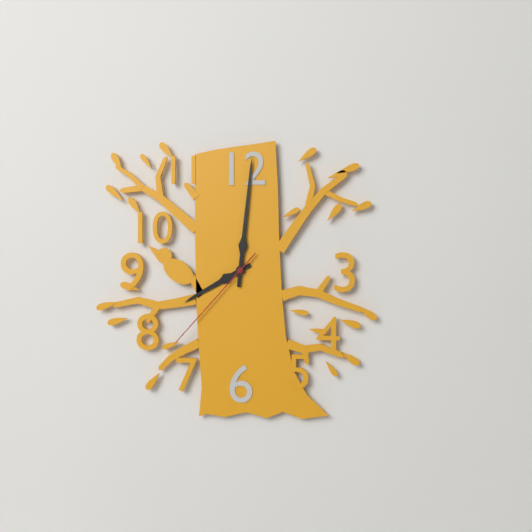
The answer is 8:01:37
